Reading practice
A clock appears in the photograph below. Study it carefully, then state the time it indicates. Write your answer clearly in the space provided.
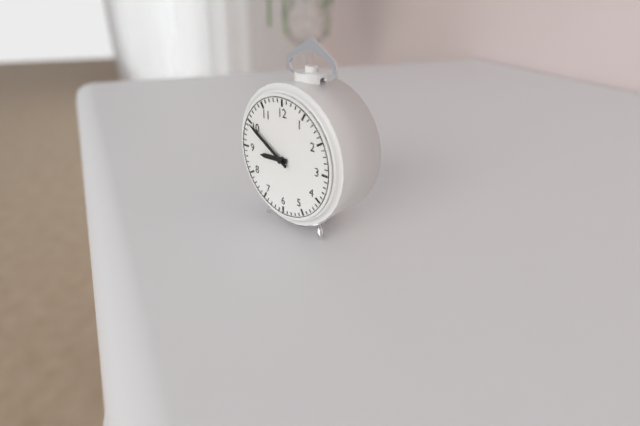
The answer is 8:50
